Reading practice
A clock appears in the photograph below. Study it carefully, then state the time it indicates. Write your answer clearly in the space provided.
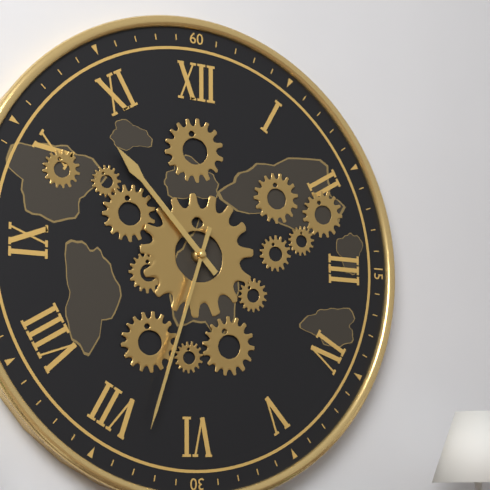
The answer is 10:33
